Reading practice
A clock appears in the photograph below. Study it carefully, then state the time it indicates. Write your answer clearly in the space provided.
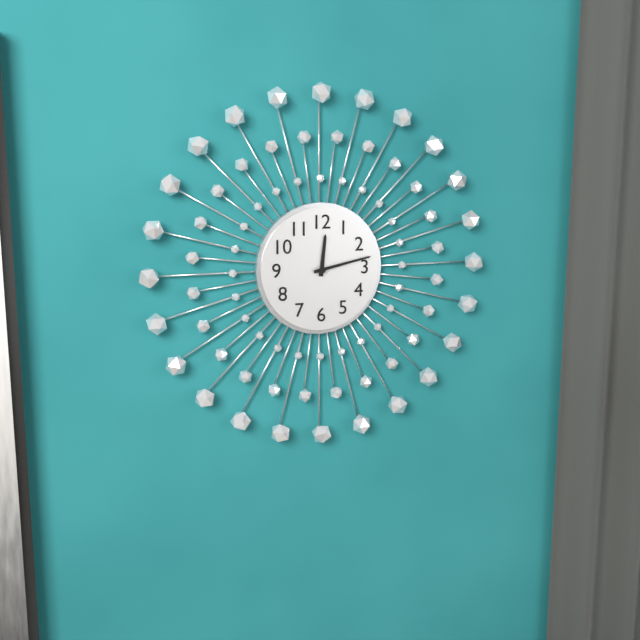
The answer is 12:13
